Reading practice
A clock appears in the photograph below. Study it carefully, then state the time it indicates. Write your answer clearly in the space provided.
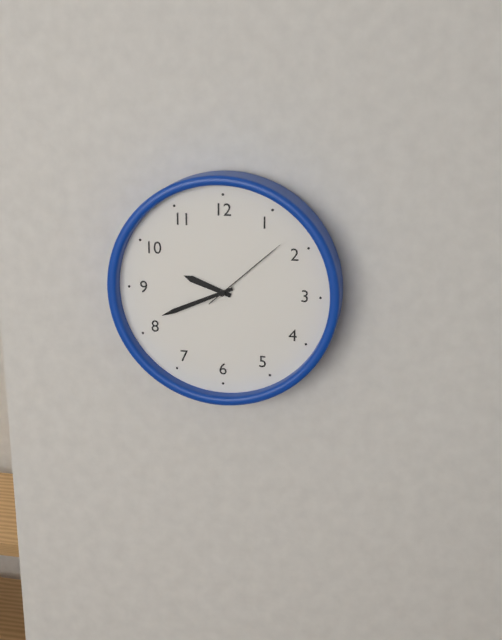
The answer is 9:41:08
